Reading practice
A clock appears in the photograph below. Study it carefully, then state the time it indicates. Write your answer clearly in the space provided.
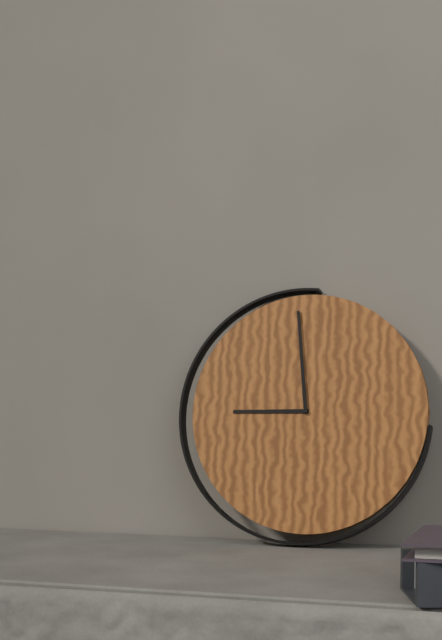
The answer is 8:59
